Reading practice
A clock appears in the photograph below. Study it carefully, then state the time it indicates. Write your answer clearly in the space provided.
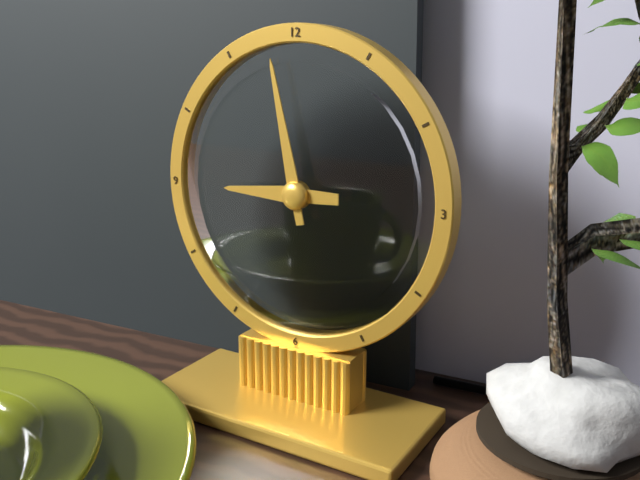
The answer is 8:58
